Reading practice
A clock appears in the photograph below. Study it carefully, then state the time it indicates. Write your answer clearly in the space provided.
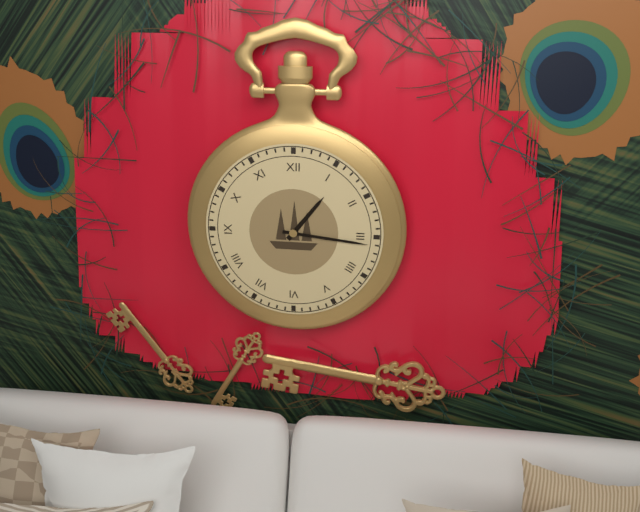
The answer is 1:16
